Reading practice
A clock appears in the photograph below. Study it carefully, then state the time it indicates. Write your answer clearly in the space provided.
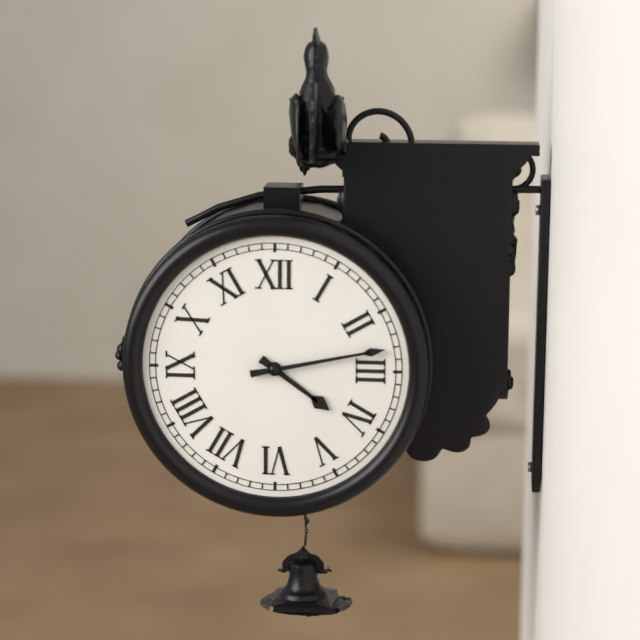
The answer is 4:13
